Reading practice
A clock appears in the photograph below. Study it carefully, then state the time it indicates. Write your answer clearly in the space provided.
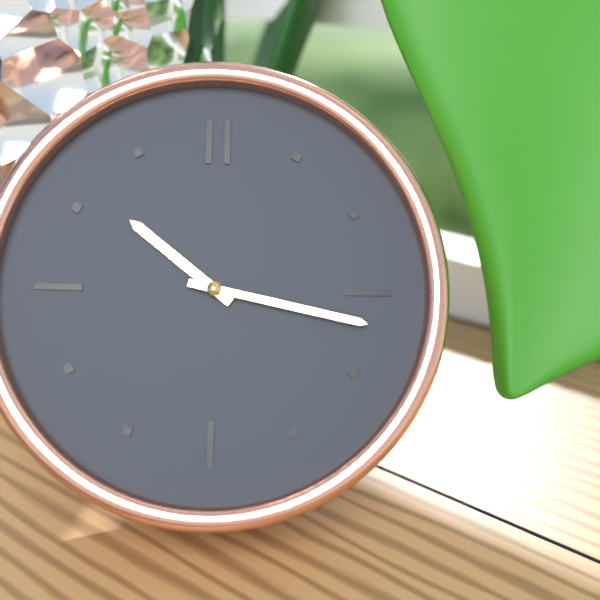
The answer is 10:17
